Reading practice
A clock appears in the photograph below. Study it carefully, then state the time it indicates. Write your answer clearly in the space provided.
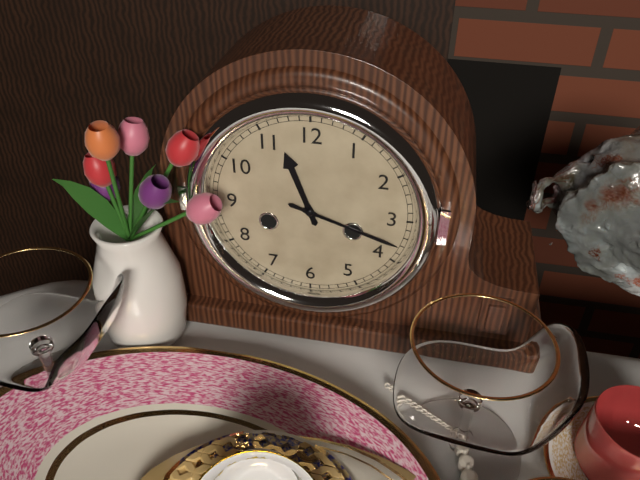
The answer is 11:18
